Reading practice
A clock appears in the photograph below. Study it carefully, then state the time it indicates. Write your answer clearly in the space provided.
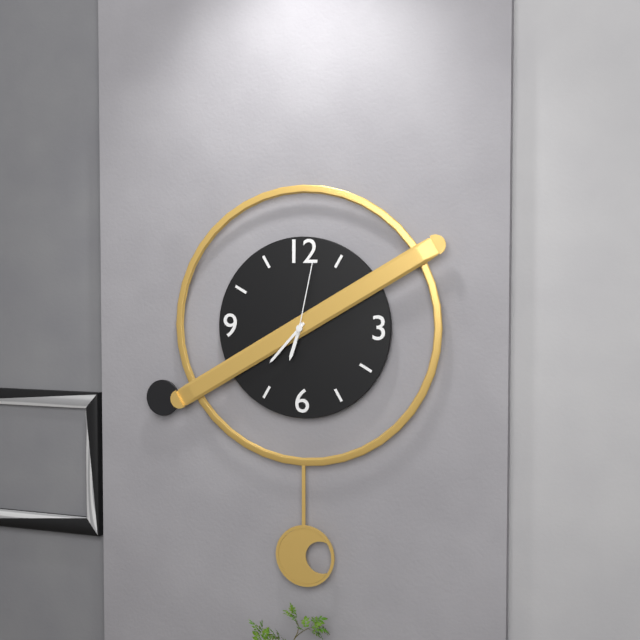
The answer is 6:37:02
